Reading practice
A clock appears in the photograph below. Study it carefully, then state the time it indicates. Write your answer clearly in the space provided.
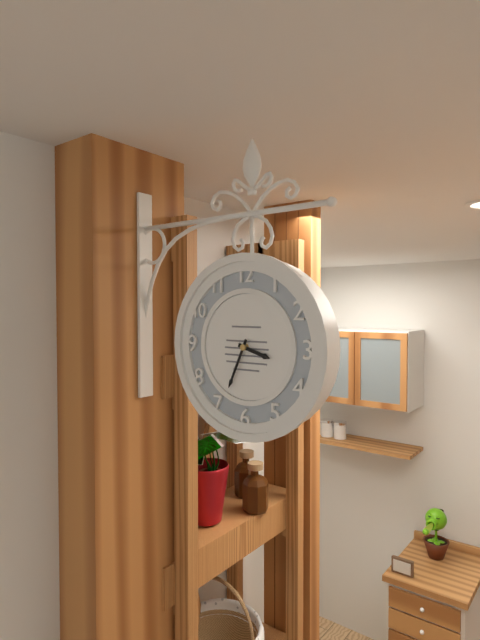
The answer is 3:34
